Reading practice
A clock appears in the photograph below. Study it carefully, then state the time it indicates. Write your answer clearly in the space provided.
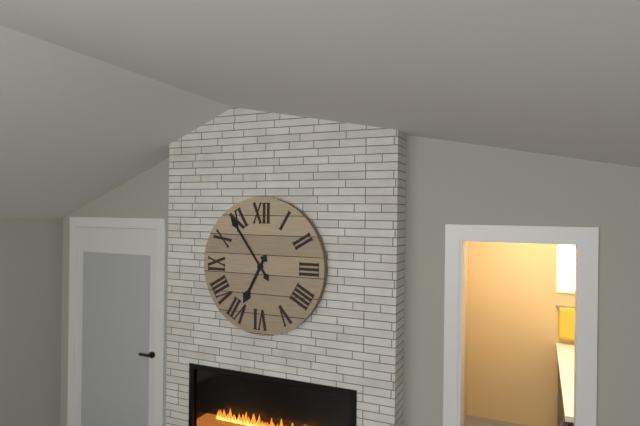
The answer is 6:54
